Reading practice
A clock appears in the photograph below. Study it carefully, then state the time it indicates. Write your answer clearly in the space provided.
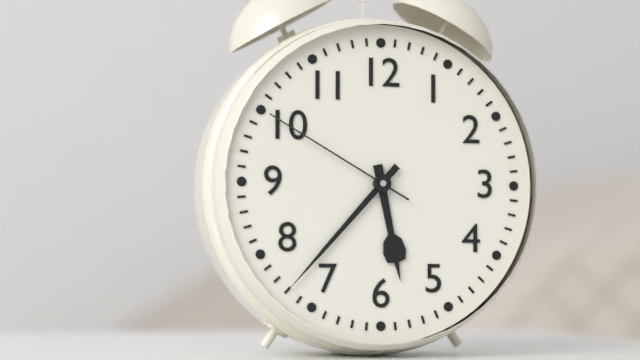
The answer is 5:37:50
